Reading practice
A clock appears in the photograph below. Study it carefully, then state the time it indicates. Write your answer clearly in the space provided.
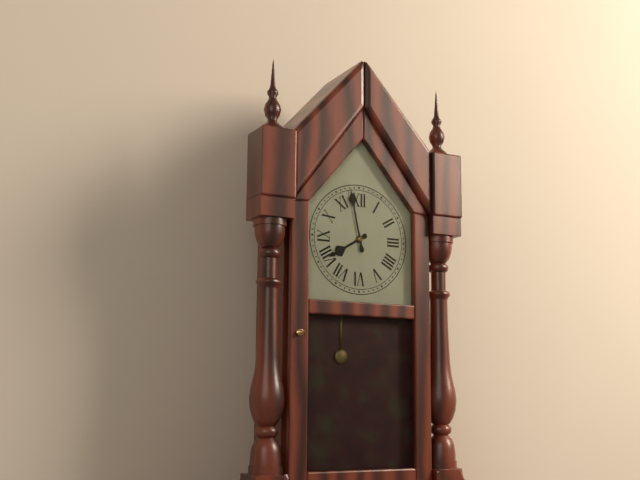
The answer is 7:58
